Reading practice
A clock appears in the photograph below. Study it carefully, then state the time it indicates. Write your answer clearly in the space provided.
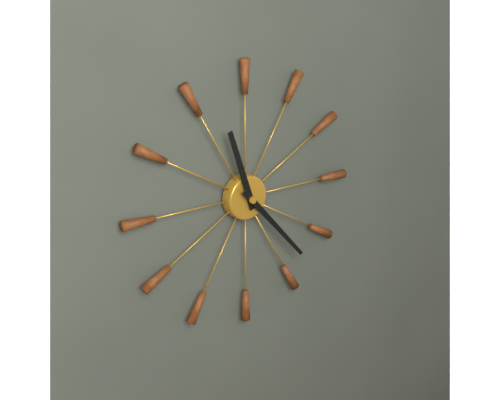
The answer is 11:23
